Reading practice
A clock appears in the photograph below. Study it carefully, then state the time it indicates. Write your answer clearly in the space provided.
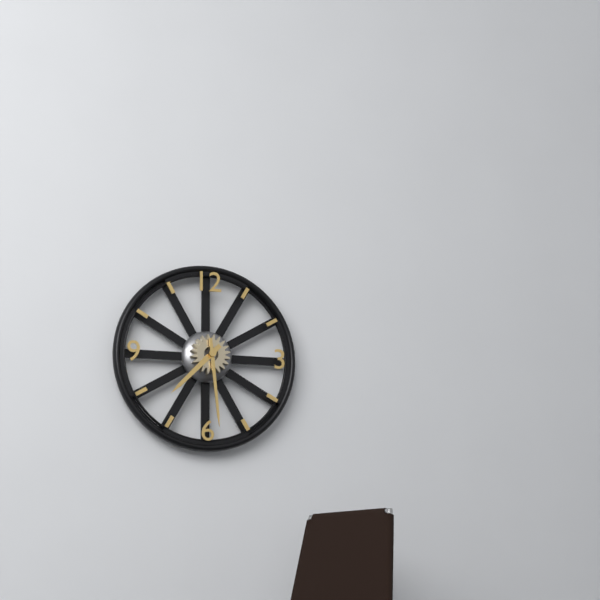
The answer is 7:29
